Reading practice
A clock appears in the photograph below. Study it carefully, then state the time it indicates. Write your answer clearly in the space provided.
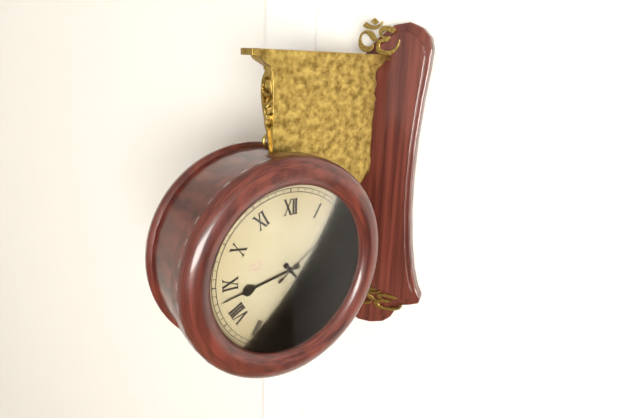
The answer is 4:43:09
